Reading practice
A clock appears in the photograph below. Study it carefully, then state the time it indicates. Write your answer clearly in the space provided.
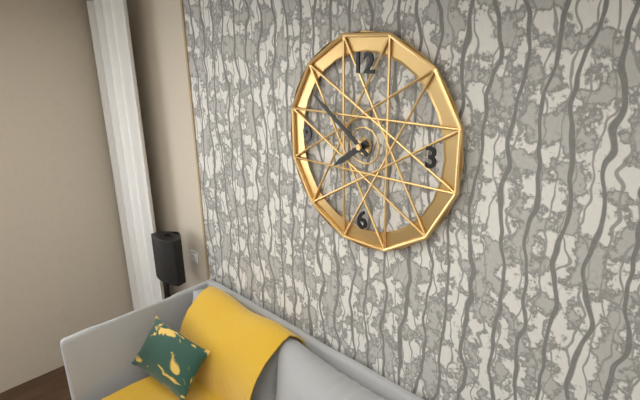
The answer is 7:51
